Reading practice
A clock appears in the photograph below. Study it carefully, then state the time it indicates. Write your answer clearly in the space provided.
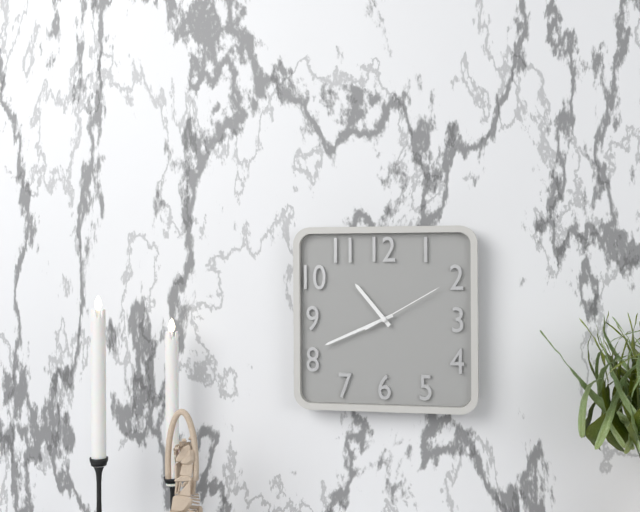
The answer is 10:41:10
